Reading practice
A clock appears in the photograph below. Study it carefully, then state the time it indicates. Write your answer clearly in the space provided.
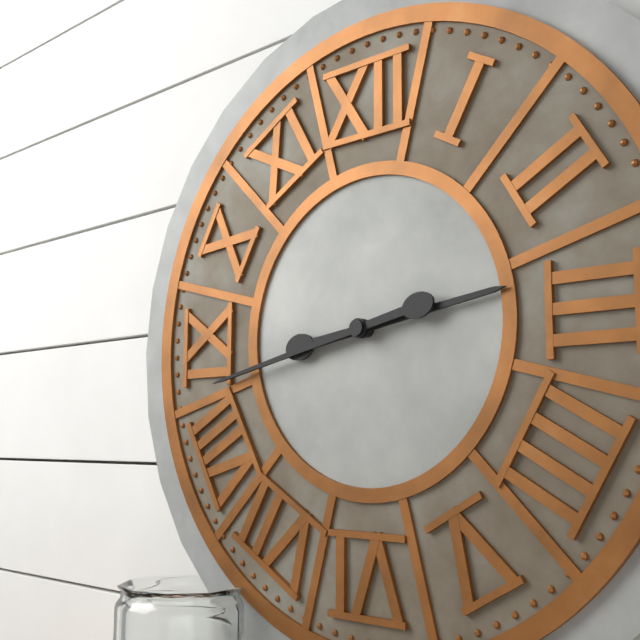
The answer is 2:43
